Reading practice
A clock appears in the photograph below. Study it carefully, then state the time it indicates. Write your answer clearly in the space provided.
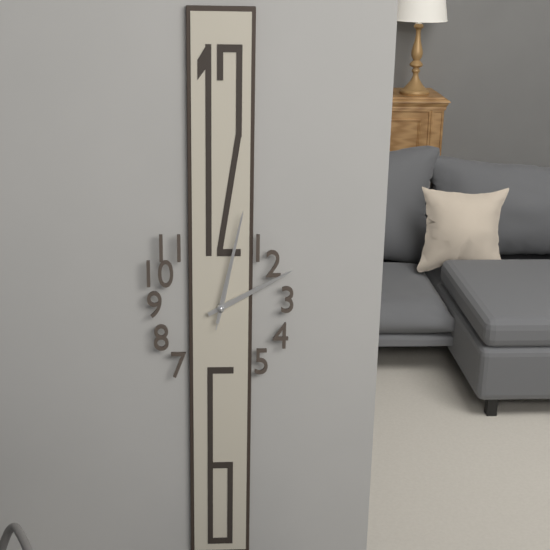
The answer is 2:02:02
